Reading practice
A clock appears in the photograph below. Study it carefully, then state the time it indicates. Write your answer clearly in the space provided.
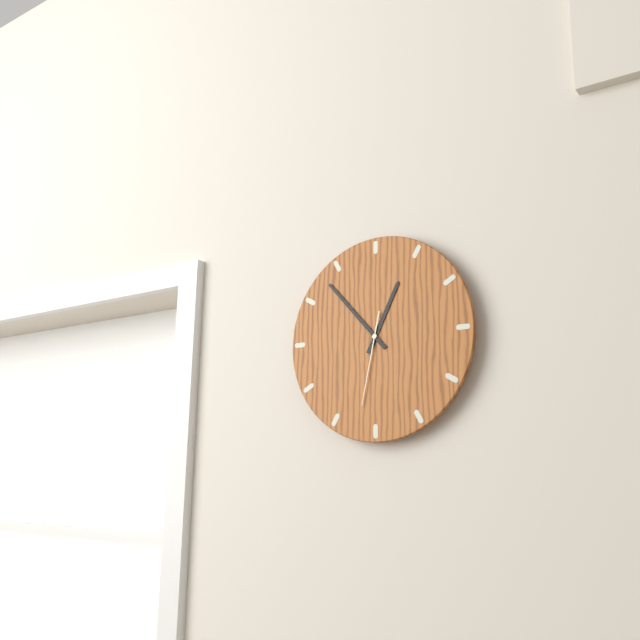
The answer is 12:53:32
